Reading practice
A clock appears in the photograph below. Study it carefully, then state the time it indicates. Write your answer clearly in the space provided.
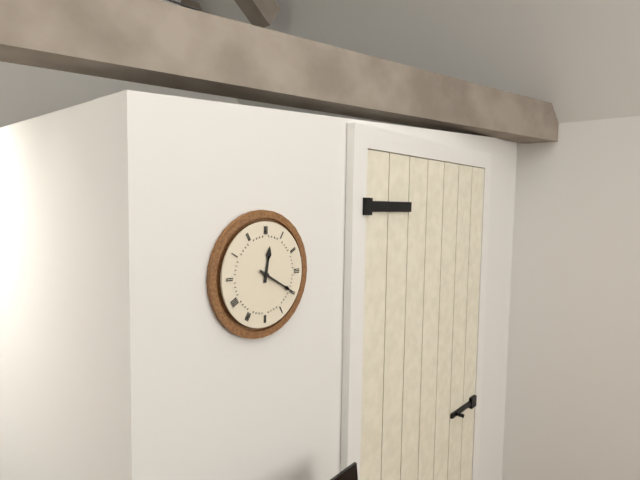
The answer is 12:20
